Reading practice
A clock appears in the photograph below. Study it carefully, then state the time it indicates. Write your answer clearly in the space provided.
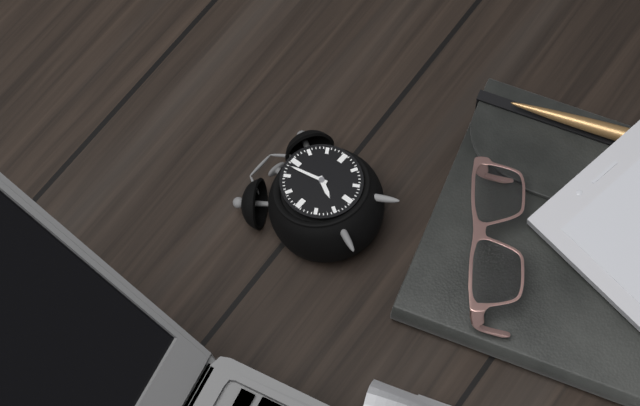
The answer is 6:58
